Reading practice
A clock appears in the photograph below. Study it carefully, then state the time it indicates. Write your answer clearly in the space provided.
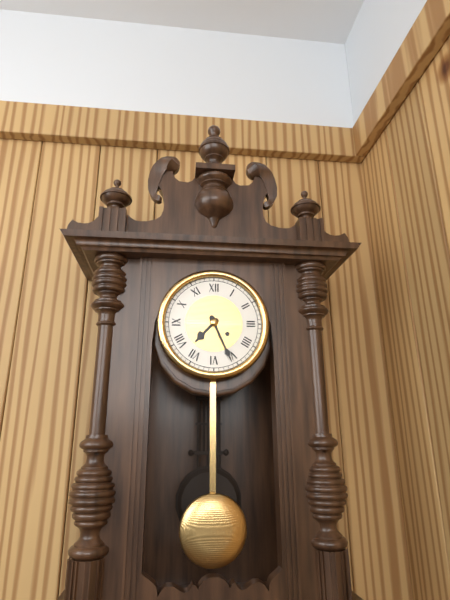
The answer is 7:26
